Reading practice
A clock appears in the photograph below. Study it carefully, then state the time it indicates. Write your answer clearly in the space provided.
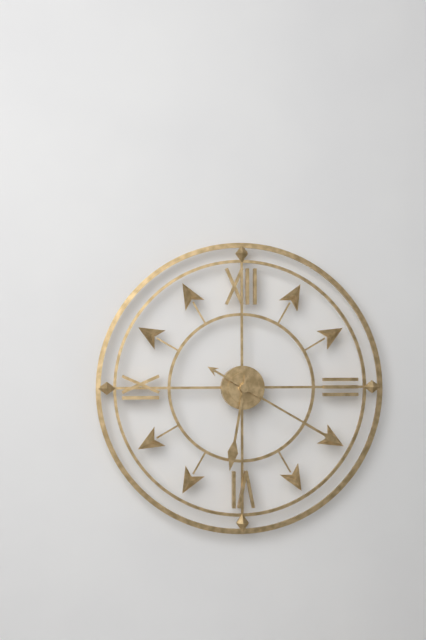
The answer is 6:20
